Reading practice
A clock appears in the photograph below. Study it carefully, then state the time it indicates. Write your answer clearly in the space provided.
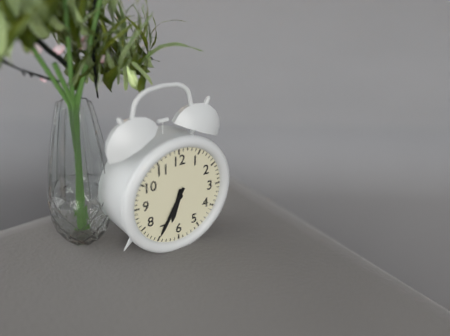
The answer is 6:35
